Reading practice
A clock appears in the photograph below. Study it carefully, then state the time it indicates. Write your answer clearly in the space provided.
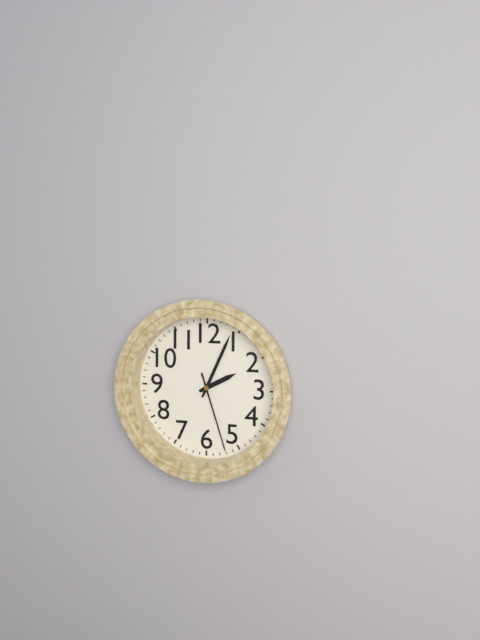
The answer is 2:04:27
